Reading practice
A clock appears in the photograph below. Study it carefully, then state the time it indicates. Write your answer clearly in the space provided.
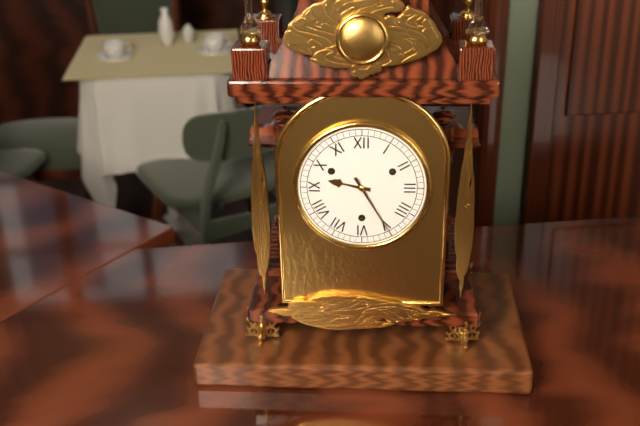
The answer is 9:25
